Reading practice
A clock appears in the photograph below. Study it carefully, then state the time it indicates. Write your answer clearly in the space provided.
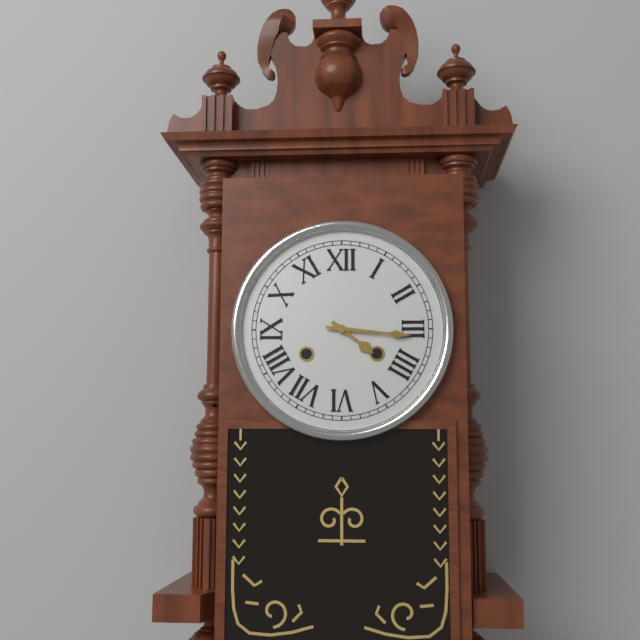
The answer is 4:16
